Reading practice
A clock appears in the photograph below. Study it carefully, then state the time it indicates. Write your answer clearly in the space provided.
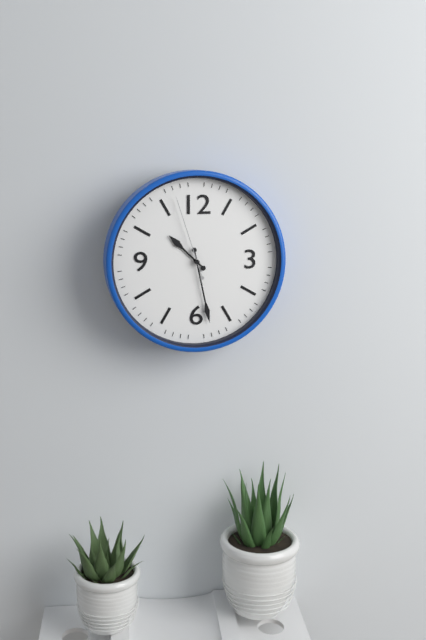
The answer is 10:28:57
